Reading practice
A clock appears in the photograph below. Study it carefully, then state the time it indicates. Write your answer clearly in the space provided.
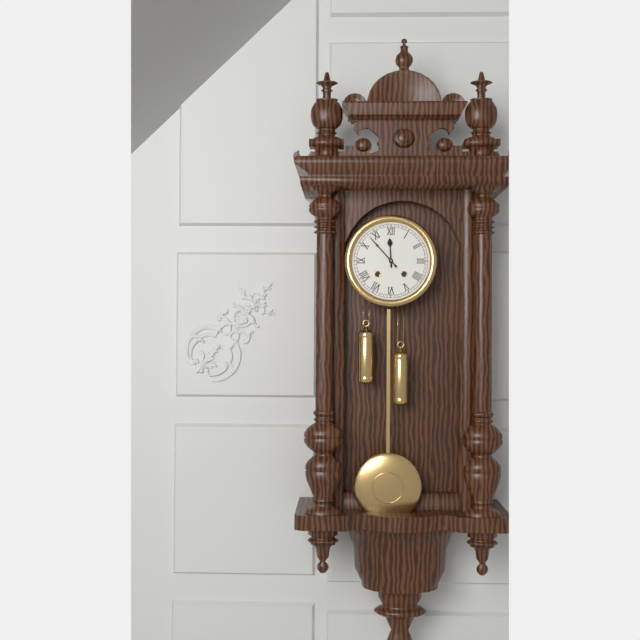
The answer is 11:53
